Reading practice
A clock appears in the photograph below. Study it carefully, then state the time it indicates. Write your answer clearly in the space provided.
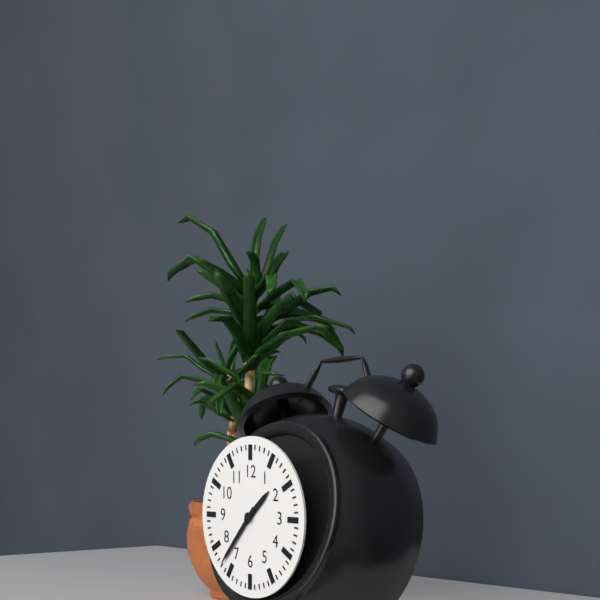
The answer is 1:37
